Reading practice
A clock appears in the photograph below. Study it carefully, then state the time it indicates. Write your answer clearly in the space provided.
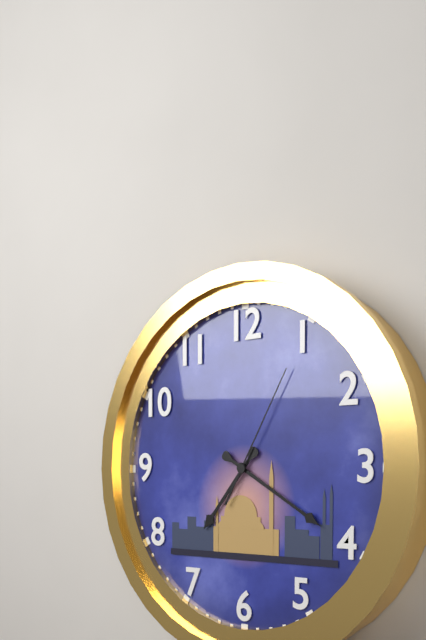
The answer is 7:20:05
